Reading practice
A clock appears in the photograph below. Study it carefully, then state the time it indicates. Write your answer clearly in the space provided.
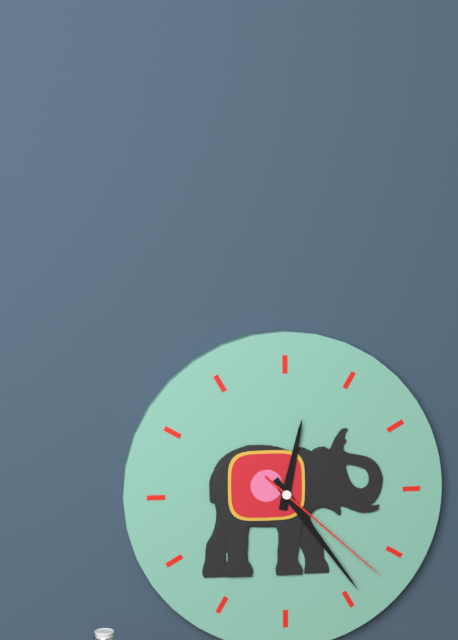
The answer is 12:24:22
